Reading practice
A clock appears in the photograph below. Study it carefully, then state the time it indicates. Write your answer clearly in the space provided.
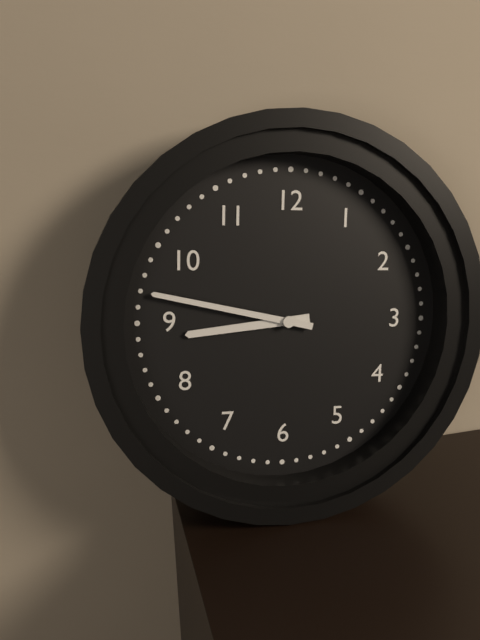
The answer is 8:47
